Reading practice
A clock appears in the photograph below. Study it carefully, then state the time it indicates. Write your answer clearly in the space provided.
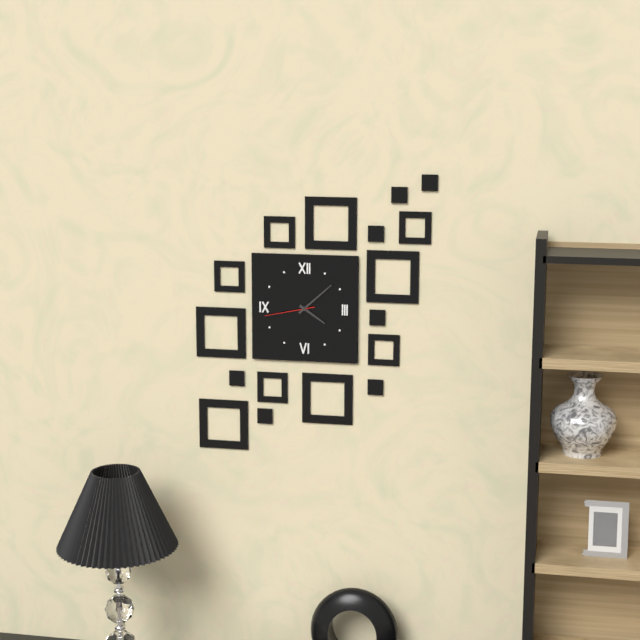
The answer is 4:08
